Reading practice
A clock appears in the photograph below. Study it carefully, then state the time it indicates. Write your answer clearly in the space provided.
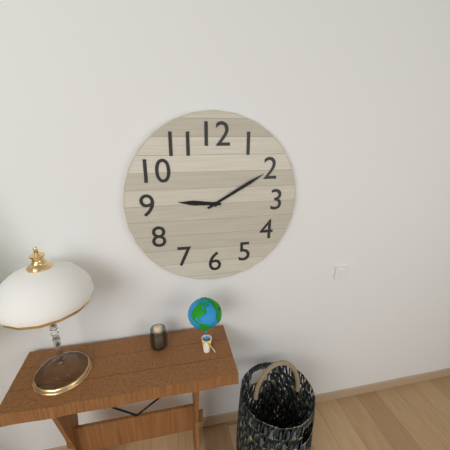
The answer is 9:10
